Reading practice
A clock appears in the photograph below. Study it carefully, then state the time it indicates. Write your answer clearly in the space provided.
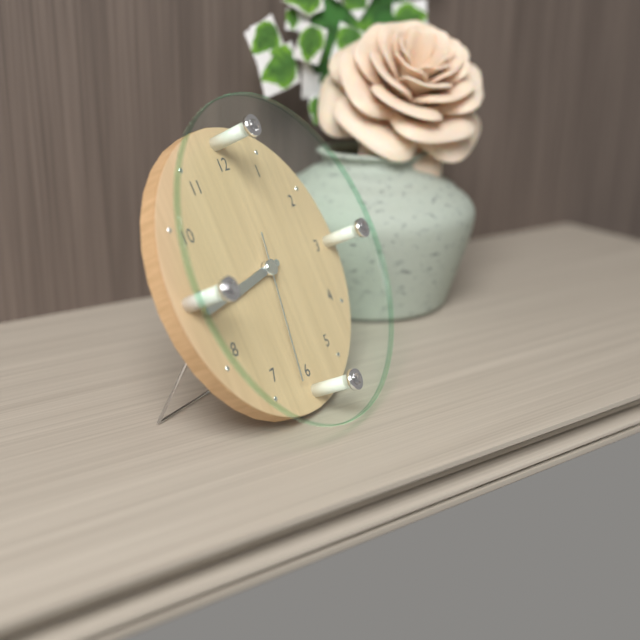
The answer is 8:44:32
